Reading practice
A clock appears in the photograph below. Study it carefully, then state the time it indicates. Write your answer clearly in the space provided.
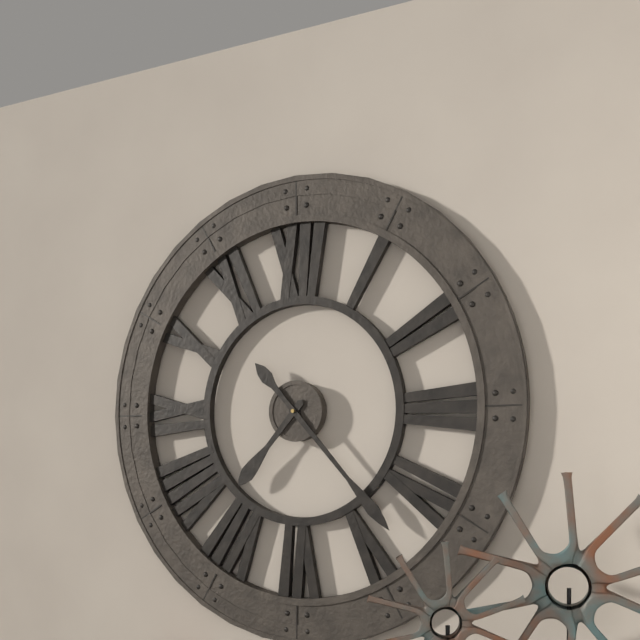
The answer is 7:23
